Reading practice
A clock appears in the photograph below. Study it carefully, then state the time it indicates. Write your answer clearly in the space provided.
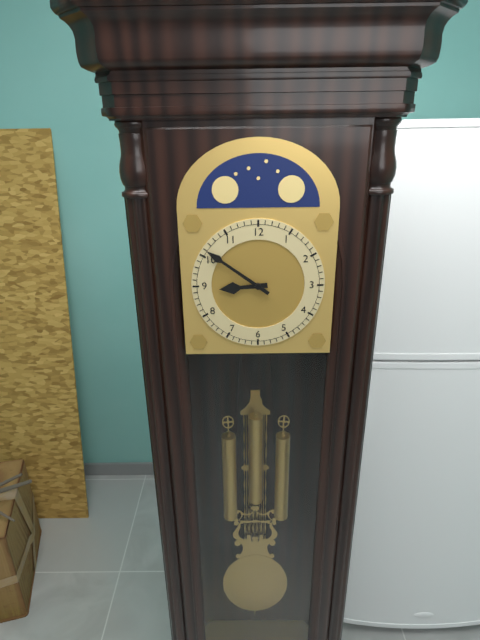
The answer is 8:51
